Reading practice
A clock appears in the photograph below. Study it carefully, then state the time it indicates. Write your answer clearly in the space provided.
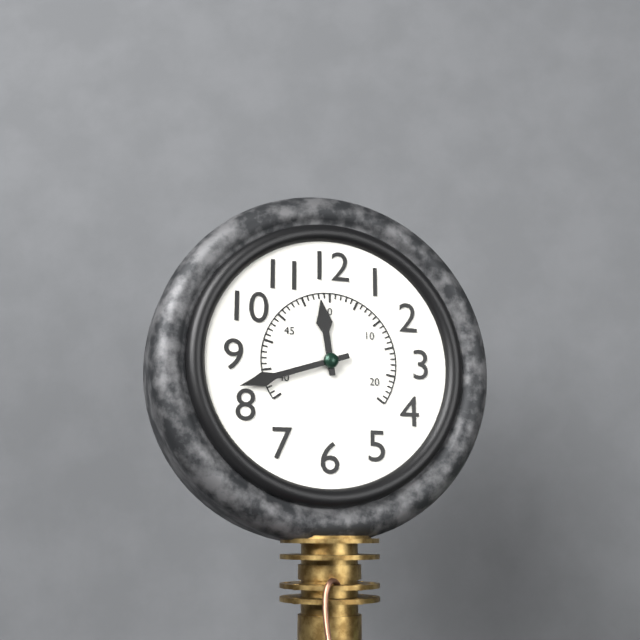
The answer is 11:42
